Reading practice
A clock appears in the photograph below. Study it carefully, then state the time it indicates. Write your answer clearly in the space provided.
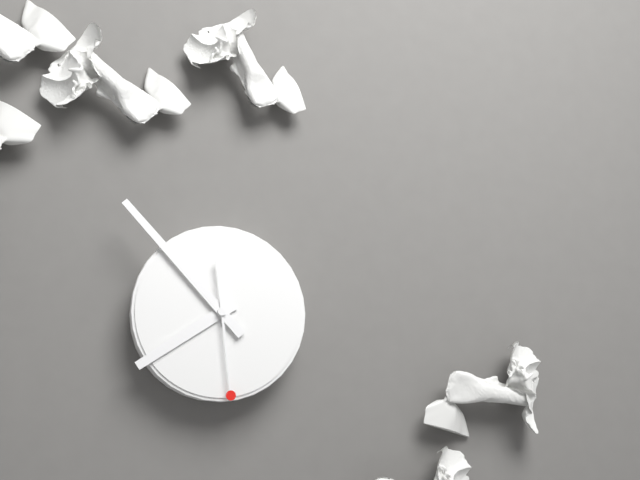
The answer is 7:53:29
